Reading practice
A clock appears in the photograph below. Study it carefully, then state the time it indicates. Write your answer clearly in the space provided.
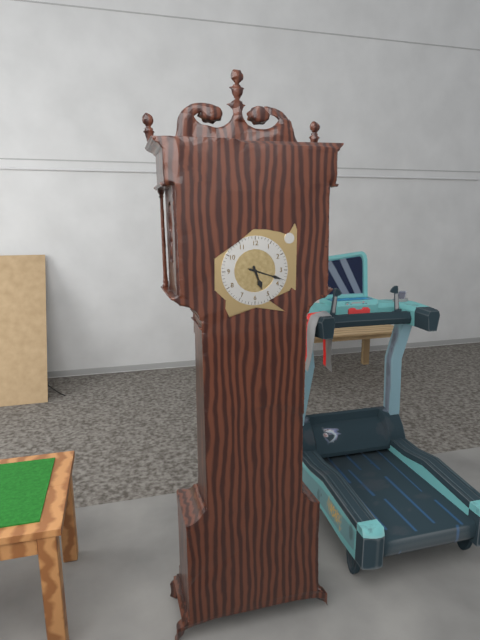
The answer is 5:18
